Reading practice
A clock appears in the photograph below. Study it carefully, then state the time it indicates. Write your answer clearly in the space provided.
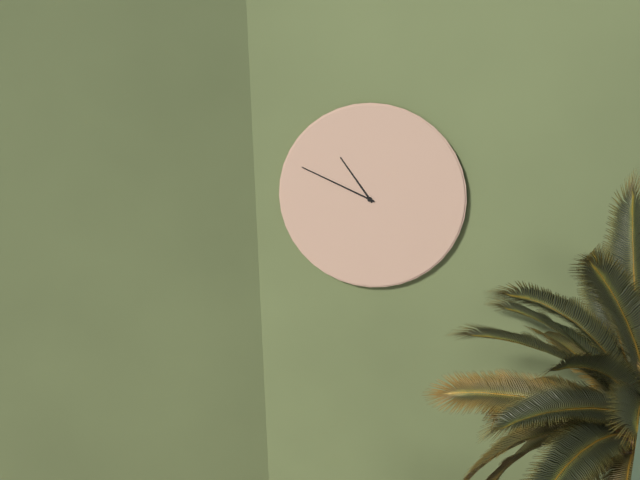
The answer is 10:49
